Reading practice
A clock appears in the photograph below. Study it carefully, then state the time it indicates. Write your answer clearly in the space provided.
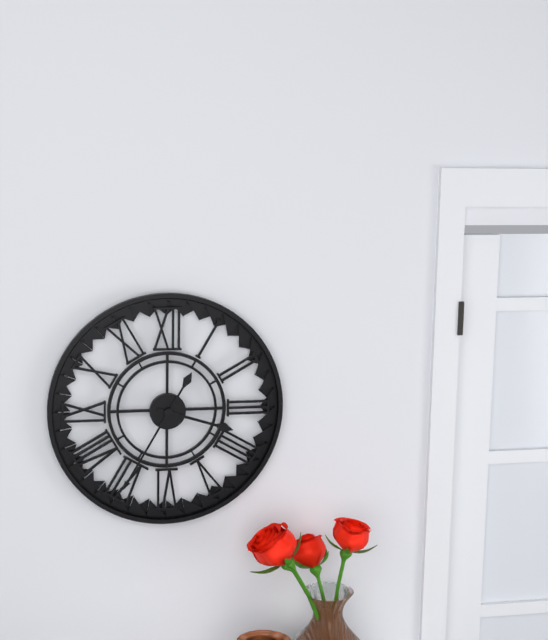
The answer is 3:35
